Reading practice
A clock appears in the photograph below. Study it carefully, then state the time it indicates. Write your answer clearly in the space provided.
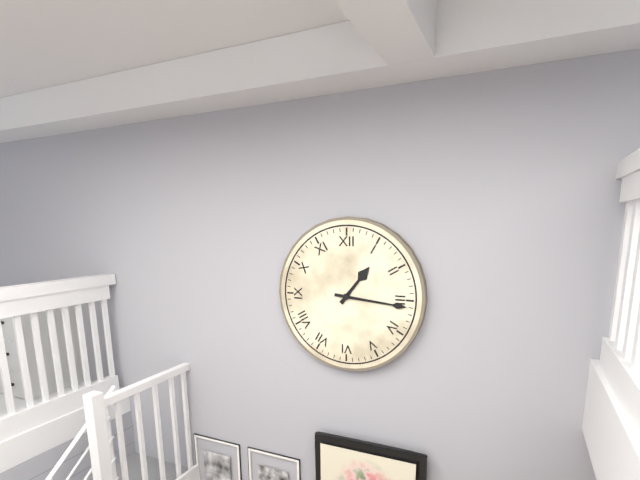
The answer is 1:16
